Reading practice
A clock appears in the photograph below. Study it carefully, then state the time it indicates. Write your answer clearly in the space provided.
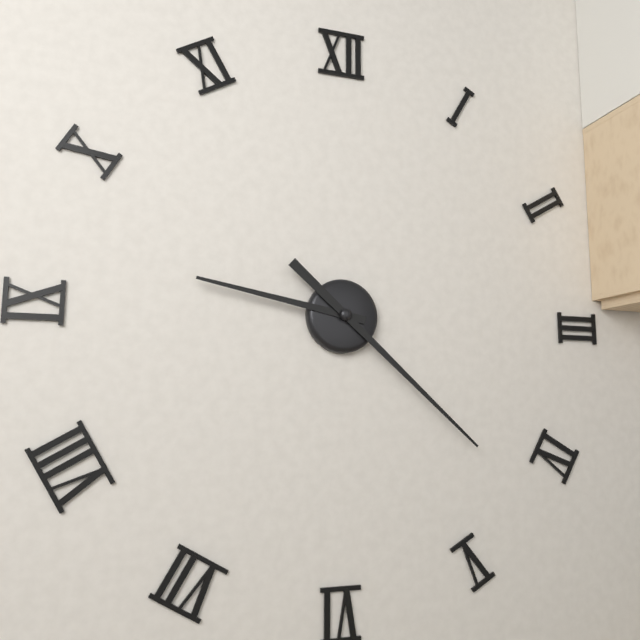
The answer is 9:22
